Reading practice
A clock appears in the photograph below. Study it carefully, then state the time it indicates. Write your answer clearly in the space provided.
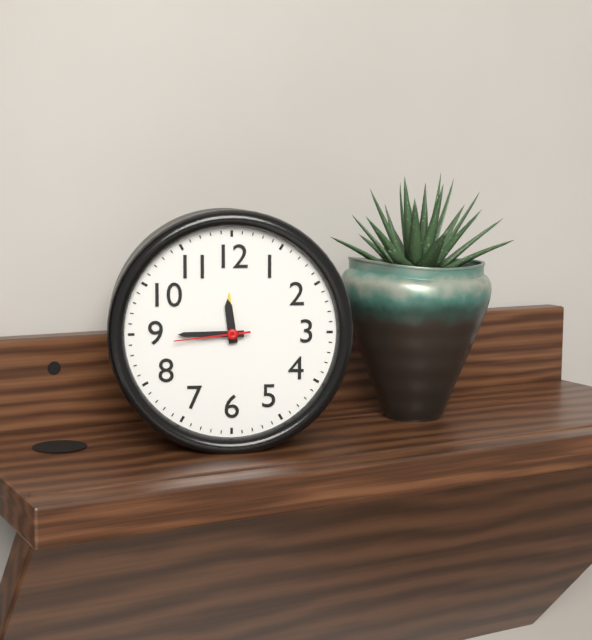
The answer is 11:45:44
